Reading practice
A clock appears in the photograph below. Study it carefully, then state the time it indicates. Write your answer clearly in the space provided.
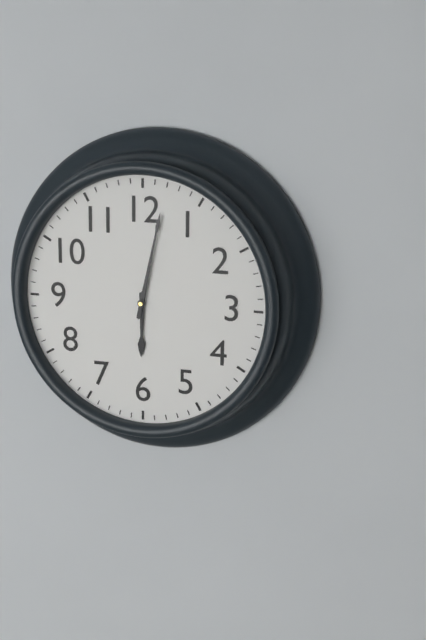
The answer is 6:02
